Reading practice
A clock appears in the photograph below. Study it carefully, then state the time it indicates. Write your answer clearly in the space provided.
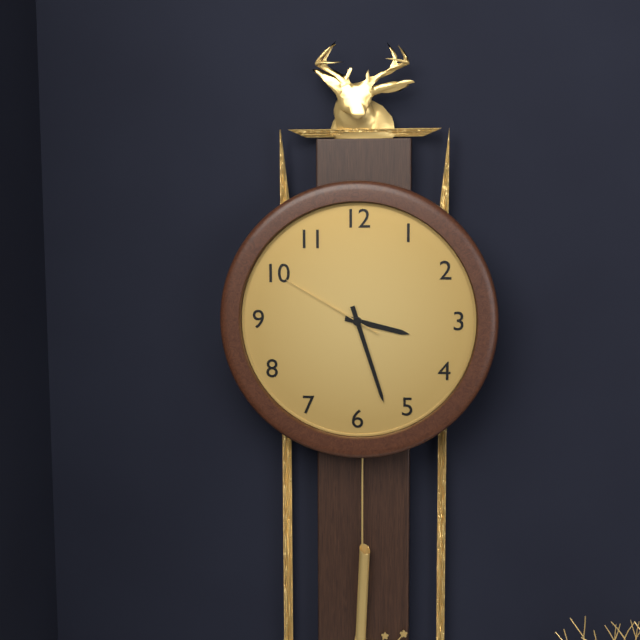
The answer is 3:27:50
